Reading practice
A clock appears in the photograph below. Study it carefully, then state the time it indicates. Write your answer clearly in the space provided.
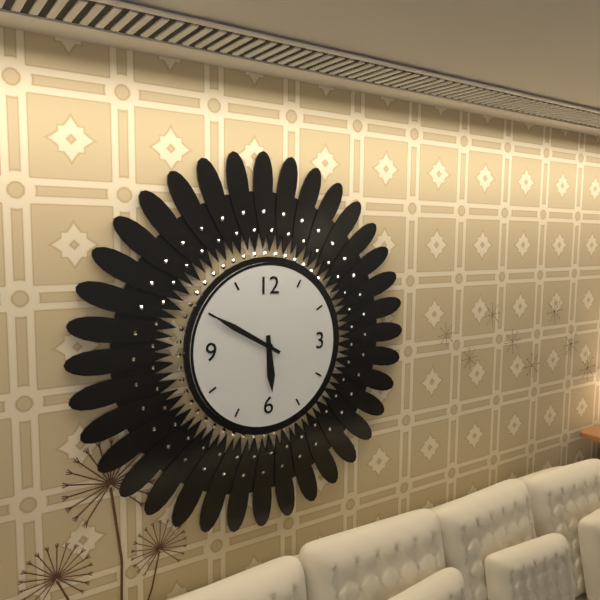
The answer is 5:50
